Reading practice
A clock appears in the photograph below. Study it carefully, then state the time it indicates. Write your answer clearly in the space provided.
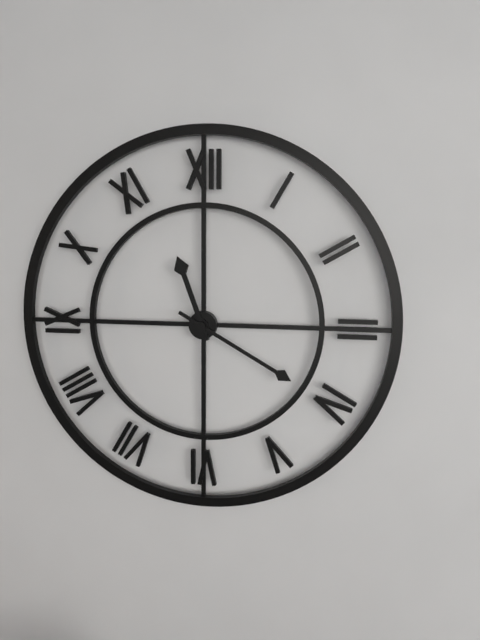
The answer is 11:20
